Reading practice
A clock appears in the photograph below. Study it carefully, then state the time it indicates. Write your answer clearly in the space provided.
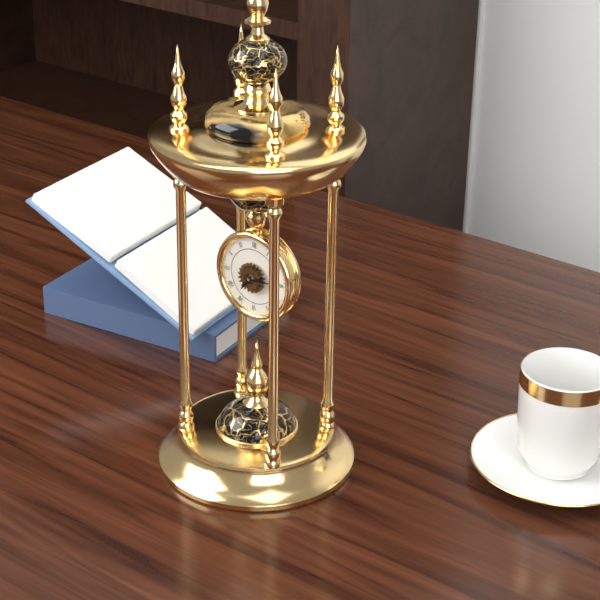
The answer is 7:14
